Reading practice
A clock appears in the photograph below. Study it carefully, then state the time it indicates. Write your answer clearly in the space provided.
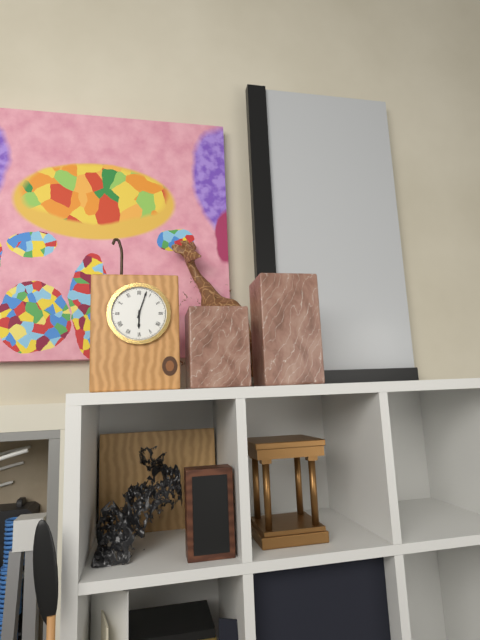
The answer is 6:03
